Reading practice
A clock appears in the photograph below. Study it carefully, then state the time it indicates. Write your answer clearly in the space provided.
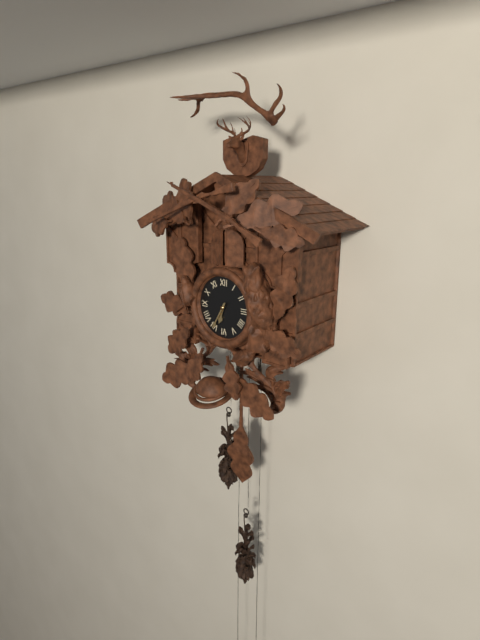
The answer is 6:35
